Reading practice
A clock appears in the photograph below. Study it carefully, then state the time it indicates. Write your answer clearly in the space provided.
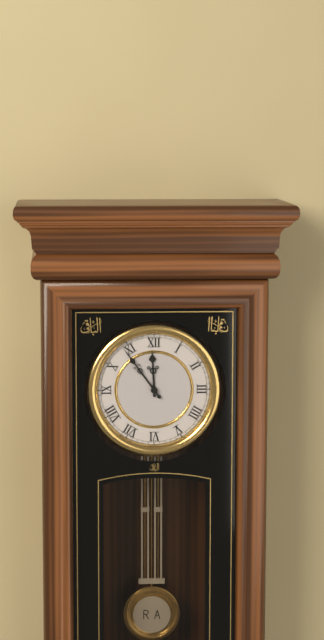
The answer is 11:54
